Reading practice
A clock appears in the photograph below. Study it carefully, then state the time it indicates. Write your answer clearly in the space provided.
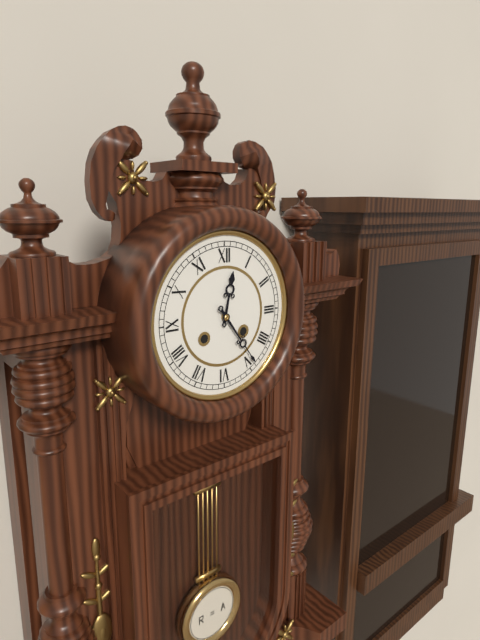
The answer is 12:24
